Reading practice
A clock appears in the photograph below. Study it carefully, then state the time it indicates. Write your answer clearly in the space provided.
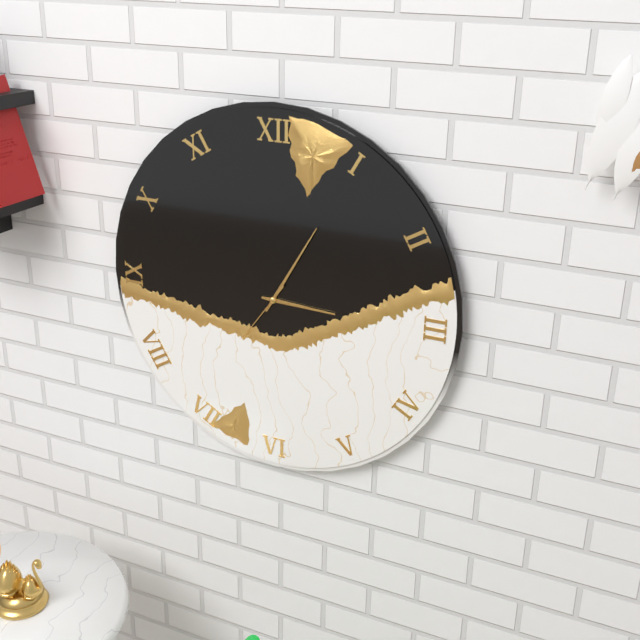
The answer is 3:05:36
